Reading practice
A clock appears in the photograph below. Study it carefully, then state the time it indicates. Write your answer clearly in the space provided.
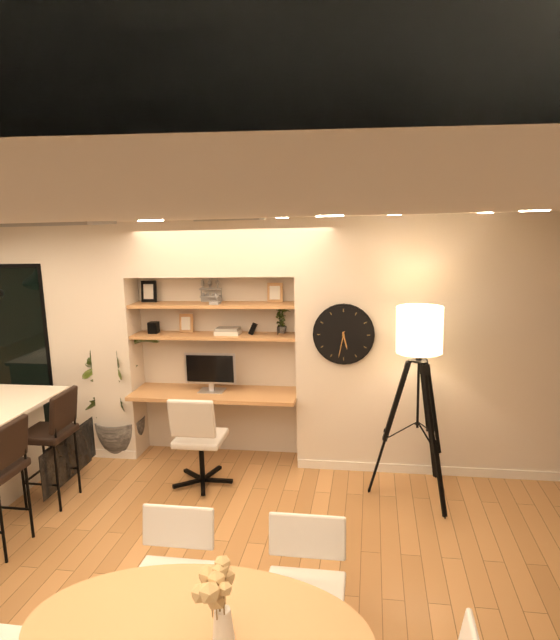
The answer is 5:32
